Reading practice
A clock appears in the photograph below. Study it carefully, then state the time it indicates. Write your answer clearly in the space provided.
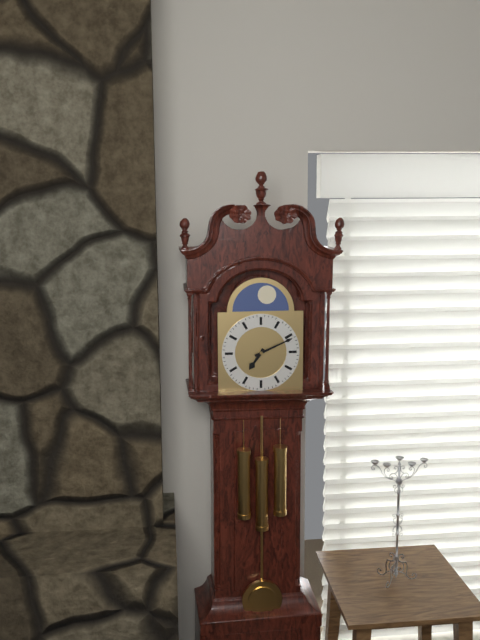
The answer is 7:11
